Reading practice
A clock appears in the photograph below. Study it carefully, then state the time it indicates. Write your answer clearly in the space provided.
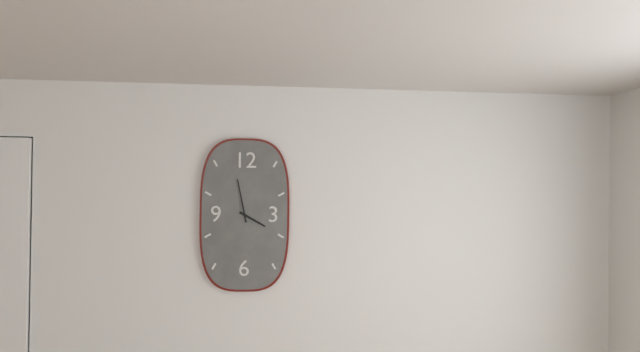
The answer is 3:58
